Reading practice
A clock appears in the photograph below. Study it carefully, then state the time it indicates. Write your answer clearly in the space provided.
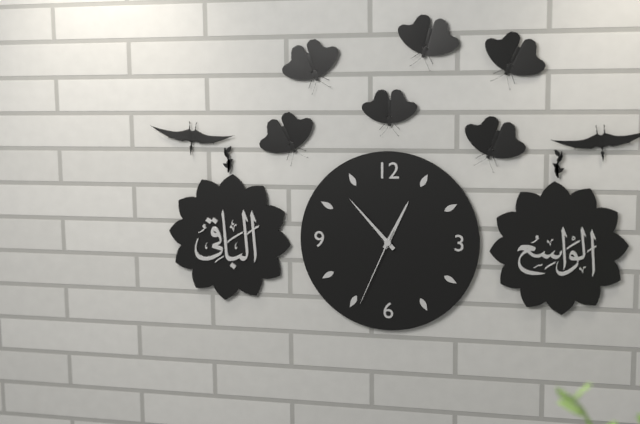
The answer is 12:53:34
